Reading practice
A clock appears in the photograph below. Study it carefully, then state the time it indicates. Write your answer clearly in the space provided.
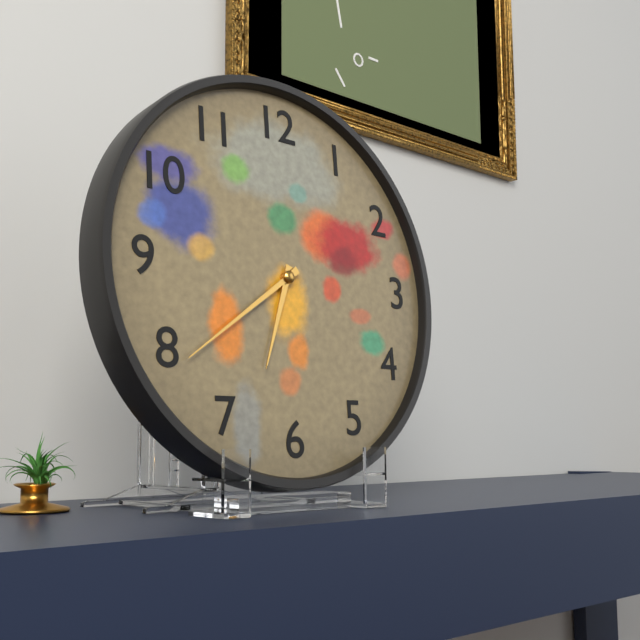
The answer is 6:39
